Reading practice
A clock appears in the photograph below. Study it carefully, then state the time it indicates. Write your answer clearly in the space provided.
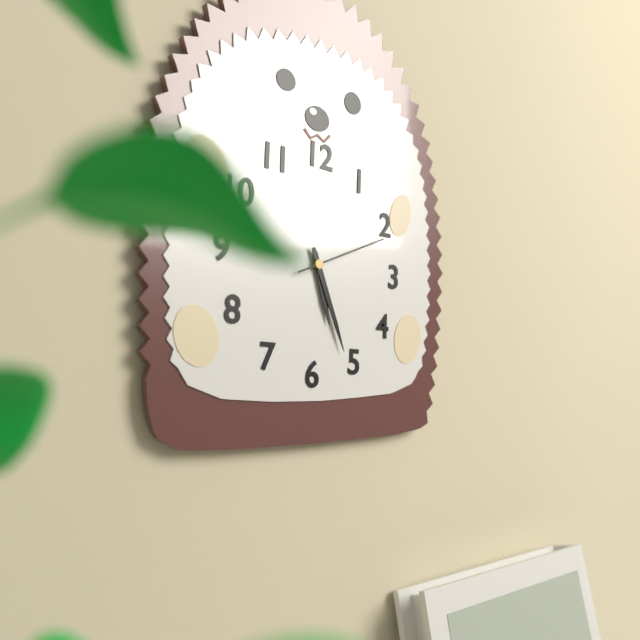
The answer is 5:26:11
